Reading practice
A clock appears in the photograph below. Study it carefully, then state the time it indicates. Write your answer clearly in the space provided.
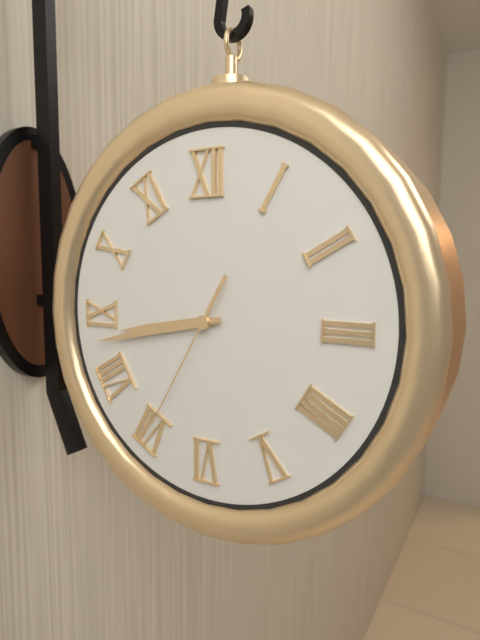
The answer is 8:43:35
